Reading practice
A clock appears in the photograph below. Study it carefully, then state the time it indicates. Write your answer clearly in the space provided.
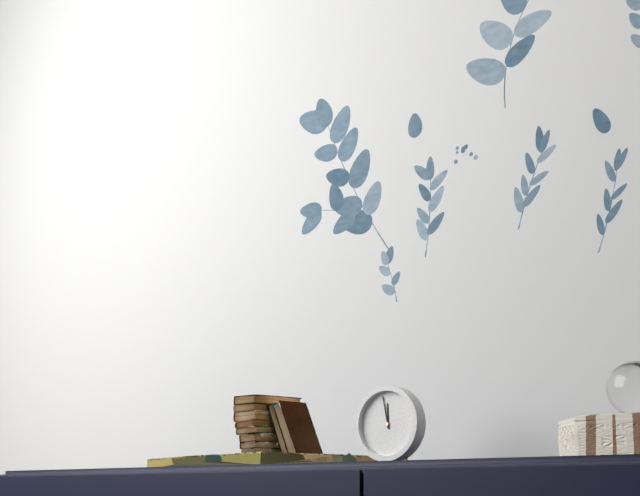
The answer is 11:58
